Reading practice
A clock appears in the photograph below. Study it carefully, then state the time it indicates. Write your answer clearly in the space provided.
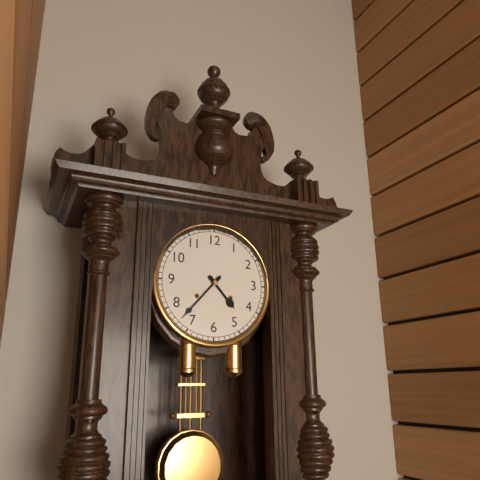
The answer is 4:37
